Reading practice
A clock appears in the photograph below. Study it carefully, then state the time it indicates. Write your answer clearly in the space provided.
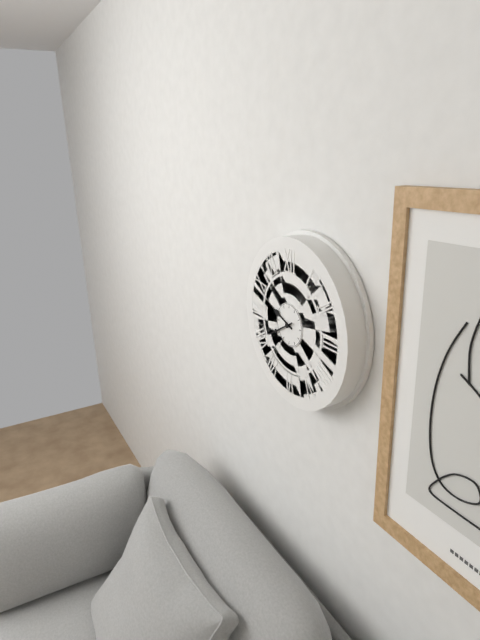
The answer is 9:40
